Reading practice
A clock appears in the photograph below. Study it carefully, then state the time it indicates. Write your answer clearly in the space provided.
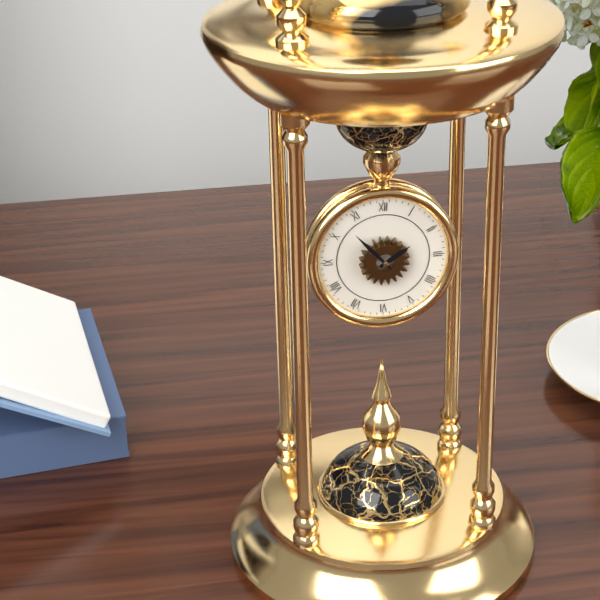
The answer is 1:53
